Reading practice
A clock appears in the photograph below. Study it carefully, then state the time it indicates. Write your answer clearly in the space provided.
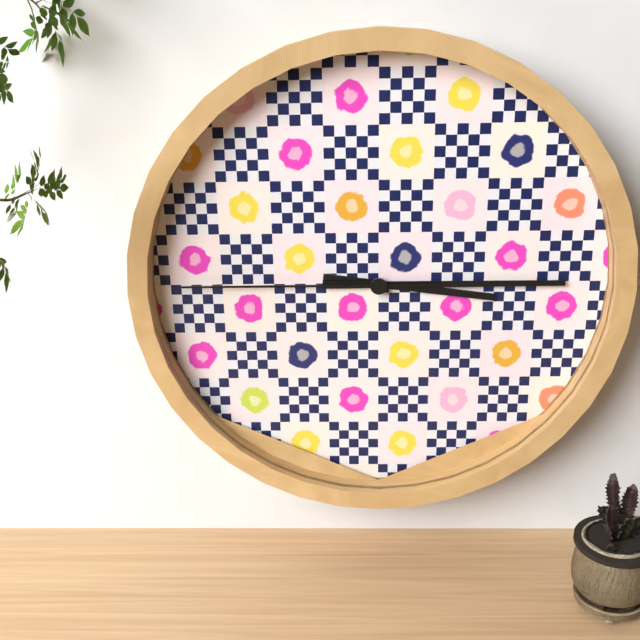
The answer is 3:15:45
